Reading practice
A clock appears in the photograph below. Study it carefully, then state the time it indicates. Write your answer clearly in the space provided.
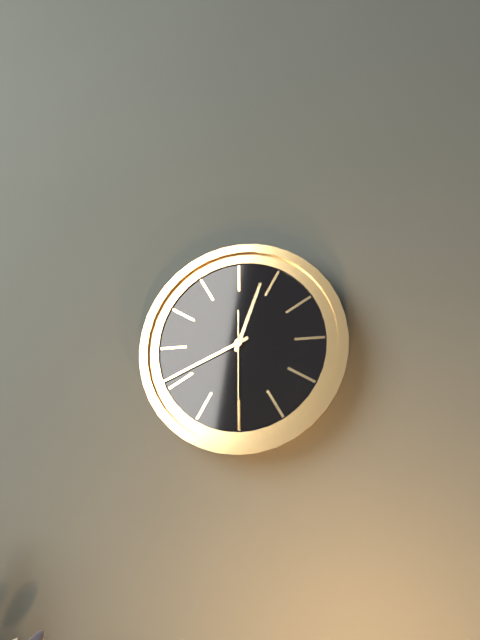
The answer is 12:41:30
